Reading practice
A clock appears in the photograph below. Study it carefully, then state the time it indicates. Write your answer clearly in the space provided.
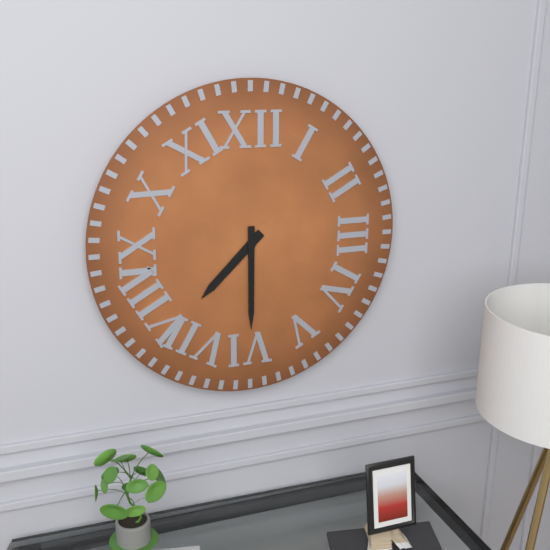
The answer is 7:30
